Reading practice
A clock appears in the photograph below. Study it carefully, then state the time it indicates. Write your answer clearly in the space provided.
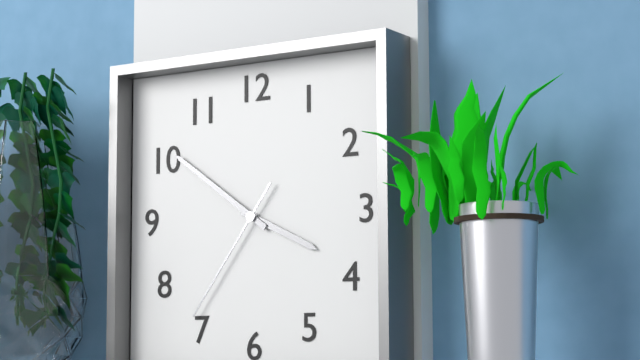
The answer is 3:51:36
